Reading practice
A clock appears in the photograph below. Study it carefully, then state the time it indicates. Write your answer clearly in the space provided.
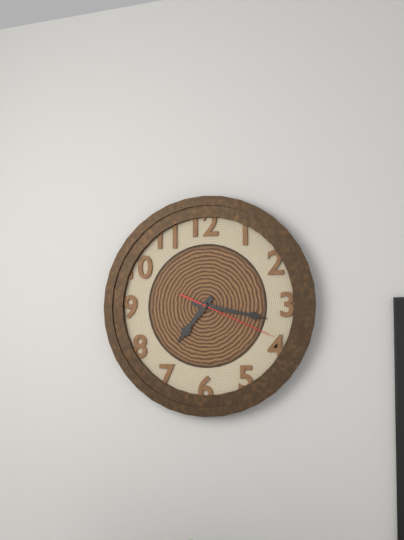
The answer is 7:17:19
